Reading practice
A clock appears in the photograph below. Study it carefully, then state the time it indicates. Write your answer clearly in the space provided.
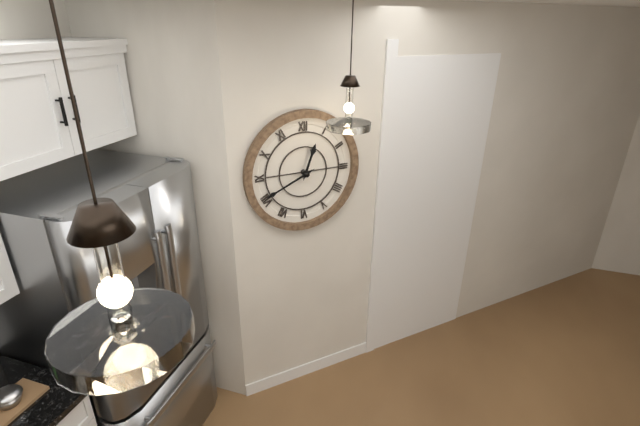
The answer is 12:41
